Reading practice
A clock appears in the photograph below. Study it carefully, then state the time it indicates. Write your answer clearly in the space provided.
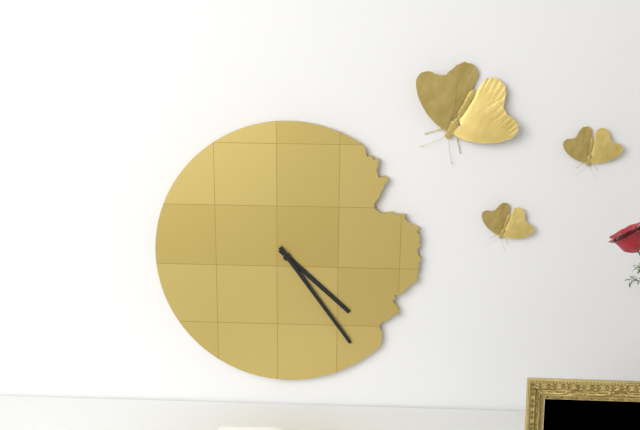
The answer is 4:24
